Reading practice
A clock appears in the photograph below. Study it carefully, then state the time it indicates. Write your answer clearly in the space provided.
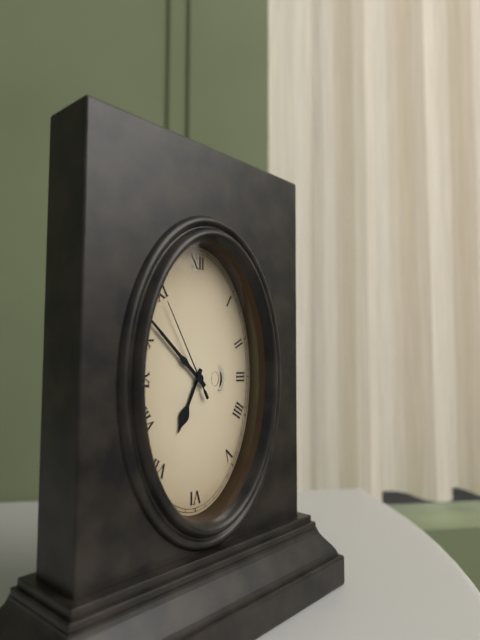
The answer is 6:52:55
